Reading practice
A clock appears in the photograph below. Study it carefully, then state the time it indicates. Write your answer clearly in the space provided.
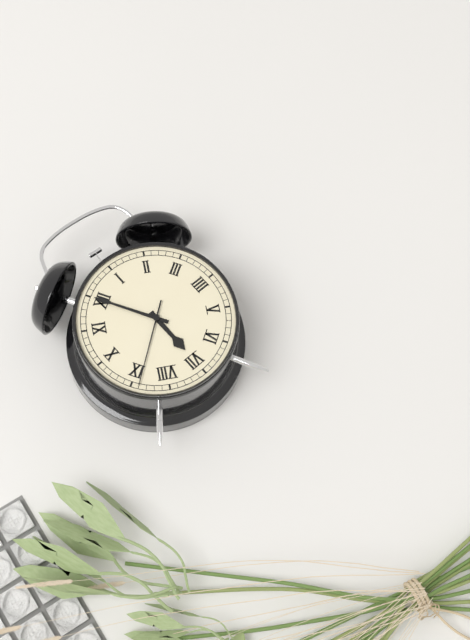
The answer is 7:00:44
